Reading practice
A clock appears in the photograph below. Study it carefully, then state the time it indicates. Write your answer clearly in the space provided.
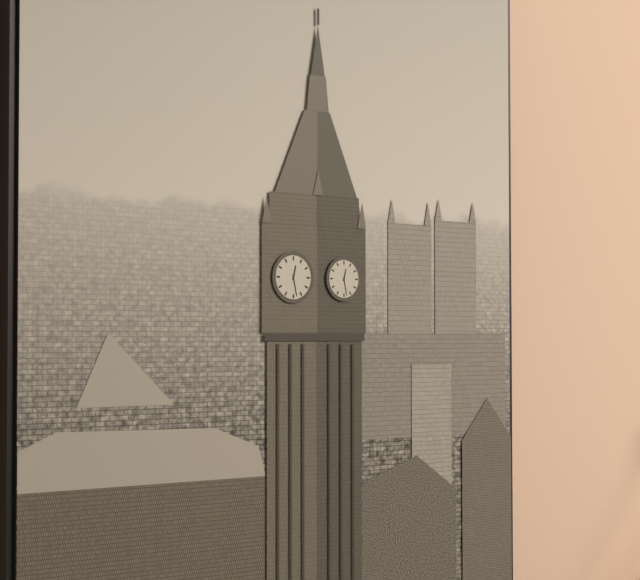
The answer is 12:28
